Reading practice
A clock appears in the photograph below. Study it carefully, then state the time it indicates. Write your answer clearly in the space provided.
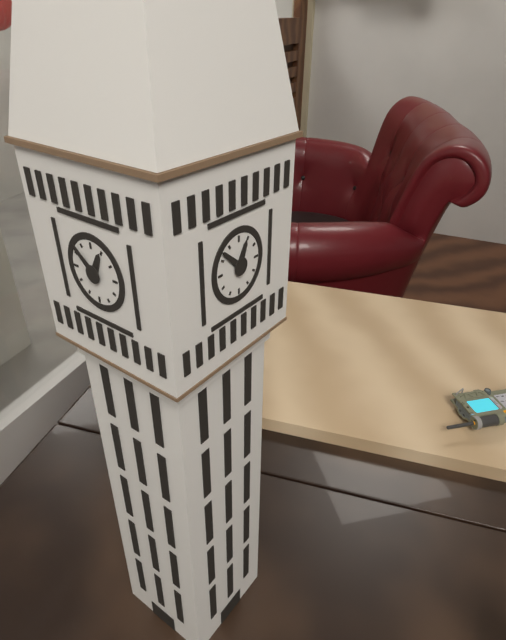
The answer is 12:52
